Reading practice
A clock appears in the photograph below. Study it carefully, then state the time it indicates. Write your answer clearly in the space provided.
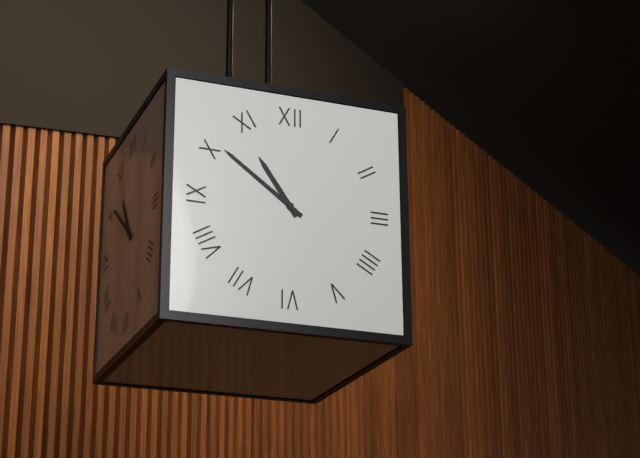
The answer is 10:51
